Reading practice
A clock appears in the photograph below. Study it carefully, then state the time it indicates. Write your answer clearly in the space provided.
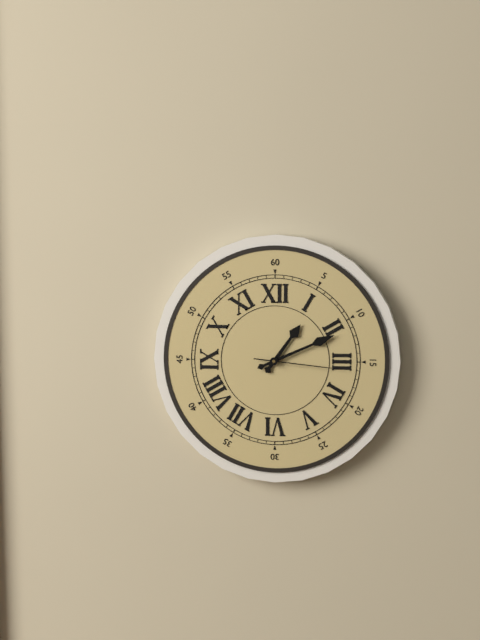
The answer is 1:11:16
